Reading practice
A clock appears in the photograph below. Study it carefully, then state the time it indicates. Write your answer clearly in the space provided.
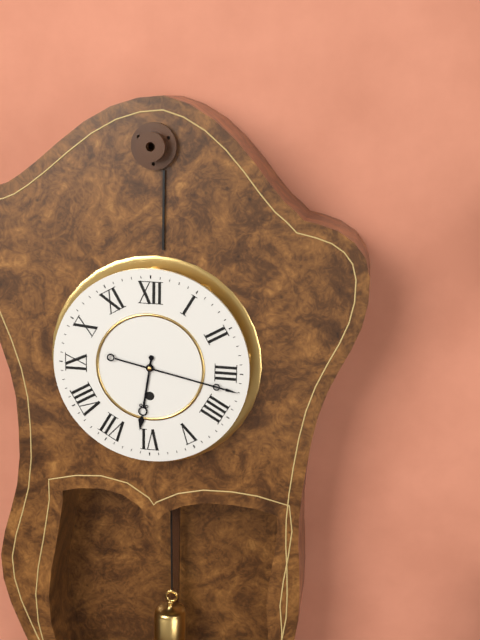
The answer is 6:17
